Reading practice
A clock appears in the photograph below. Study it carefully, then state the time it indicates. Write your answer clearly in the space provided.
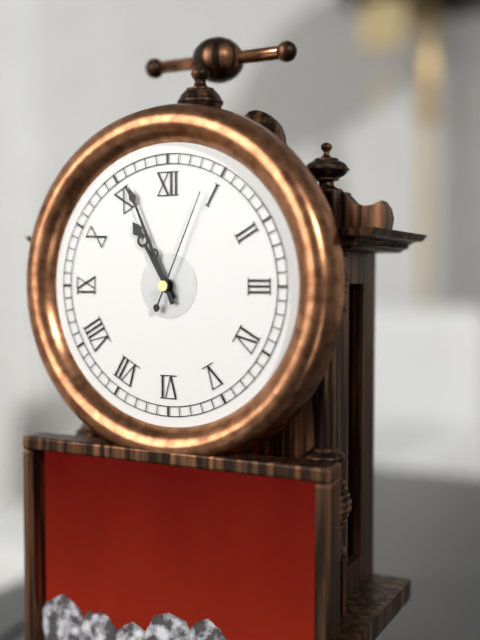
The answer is 10:56:04
